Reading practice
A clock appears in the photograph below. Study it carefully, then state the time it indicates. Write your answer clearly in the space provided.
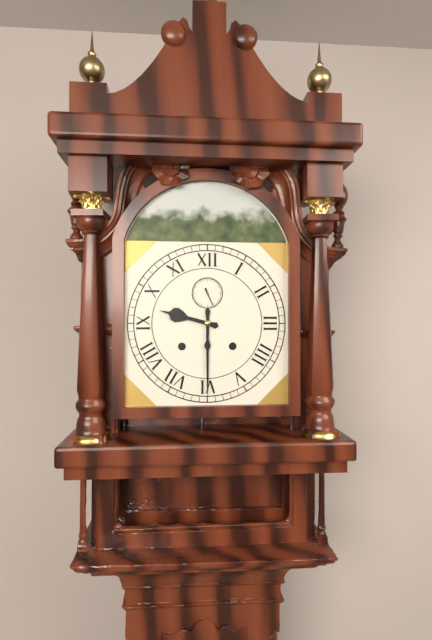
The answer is 9:30
